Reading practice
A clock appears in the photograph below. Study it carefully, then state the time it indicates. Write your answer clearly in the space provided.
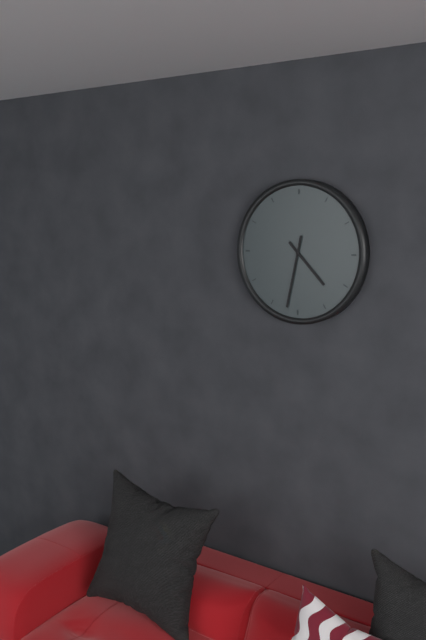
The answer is 4:32
